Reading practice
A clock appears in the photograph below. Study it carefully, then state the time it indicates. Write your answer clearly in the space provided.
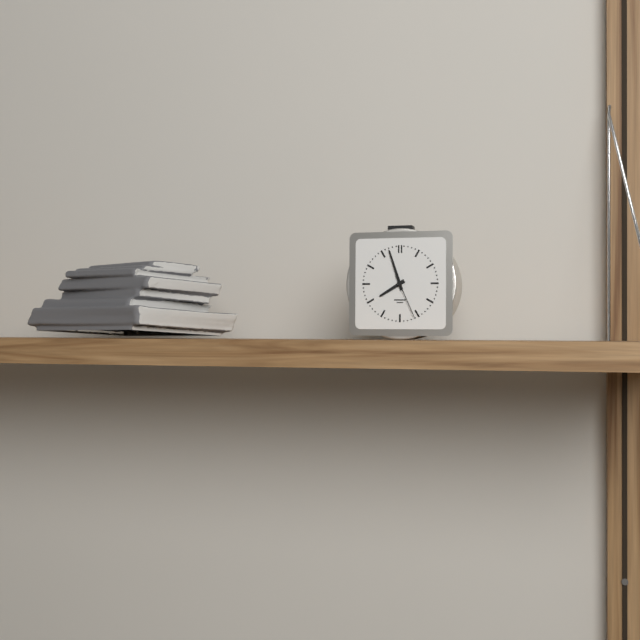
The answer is 7:57
